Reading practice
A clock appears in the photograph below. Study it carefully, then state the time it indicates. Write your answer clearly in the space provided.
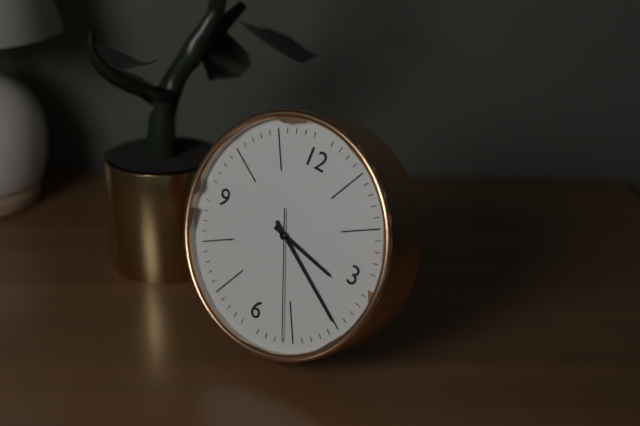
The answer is 3:20:26
